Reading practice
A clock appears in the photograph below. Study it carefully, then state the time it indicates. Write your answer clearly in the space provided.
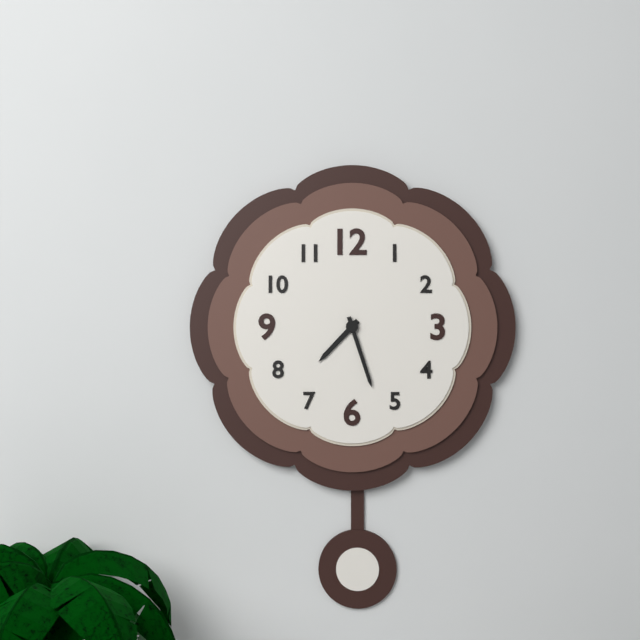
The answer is 7:27
